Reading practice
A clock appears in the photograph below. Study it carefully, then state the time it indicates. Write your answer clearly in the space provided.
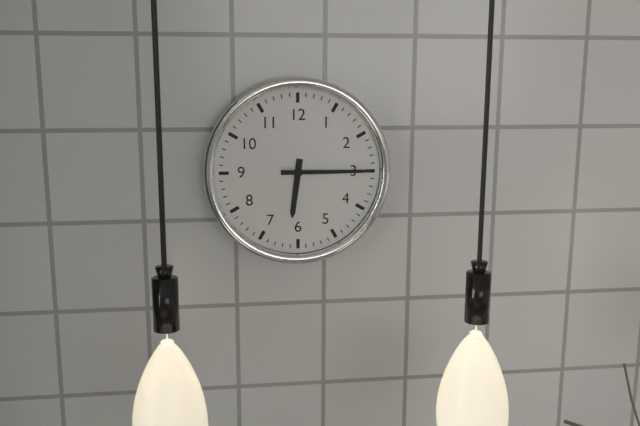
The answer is 6:15
